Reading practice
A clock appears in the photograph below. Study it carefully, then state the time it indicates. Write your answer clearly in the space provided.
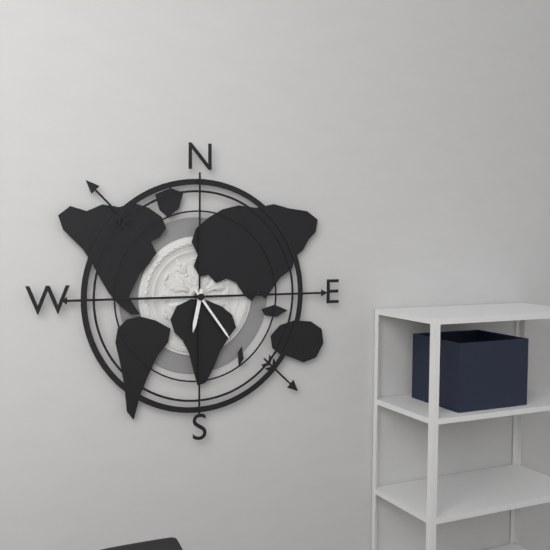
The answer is 6:24
